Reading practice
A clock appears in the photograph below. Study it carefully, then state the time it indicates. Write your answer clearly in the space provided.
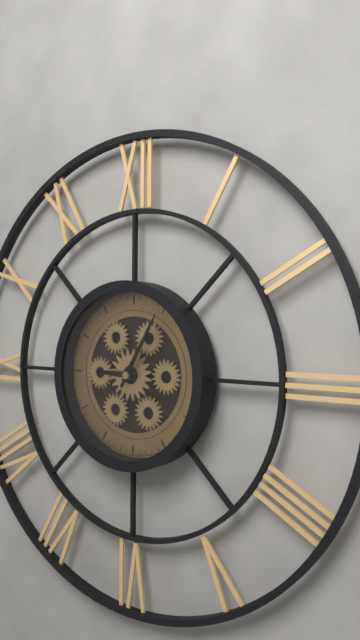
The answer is 9:05
